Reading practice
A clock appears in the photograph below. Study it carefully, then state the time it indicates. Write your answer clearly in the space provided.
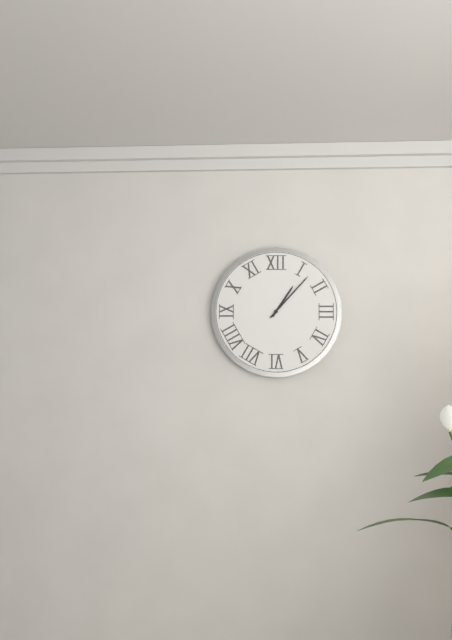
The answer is 1:07
